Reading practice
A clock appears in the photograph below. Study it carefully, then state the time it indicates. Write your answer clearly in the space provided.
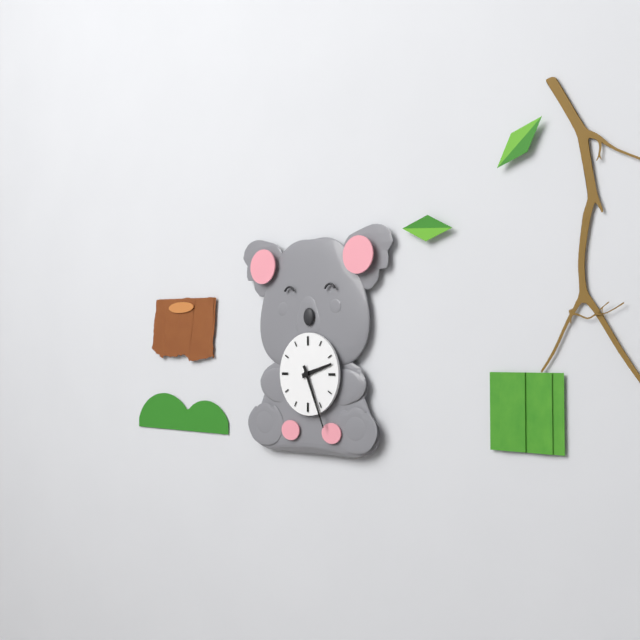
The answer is 2:26
